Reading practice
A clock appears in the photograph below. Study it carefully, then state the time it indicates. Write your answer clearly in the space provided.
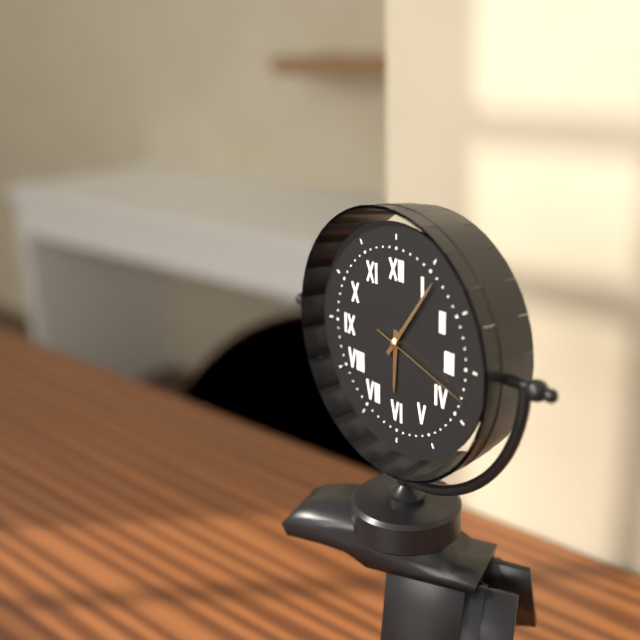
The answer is 6:06:18
